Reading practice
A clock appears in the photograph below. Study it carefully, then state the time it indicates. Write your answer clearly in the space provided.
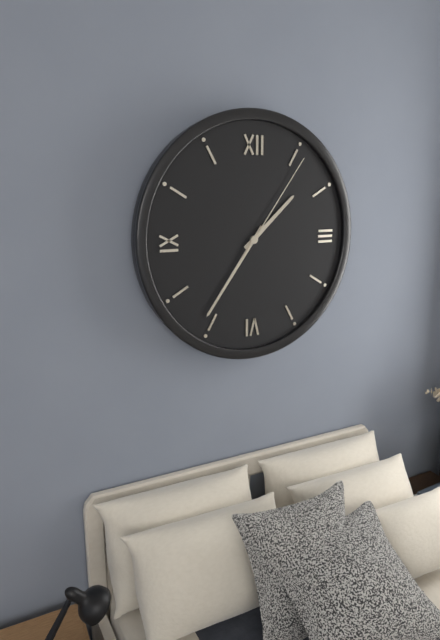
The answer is 1:36:06
